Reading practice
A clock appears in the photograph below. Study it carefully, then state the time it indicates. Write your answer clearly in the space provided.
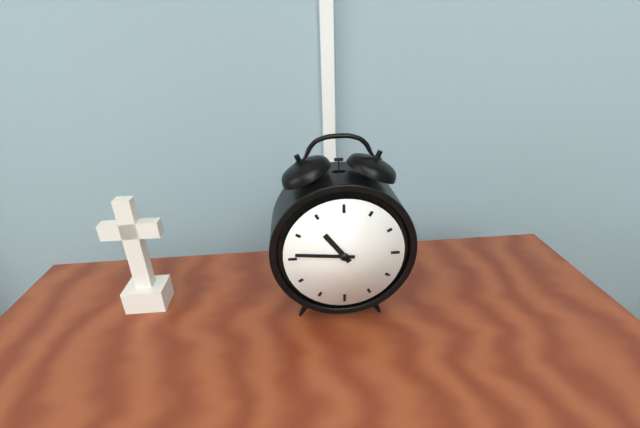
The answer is 10:46
